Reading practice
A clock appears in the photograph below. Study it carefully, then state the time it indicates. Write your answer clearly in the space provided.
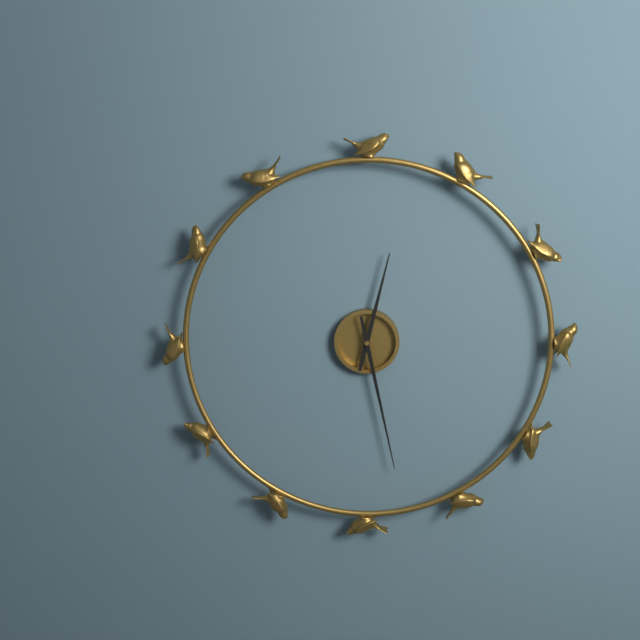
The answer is 12:28
